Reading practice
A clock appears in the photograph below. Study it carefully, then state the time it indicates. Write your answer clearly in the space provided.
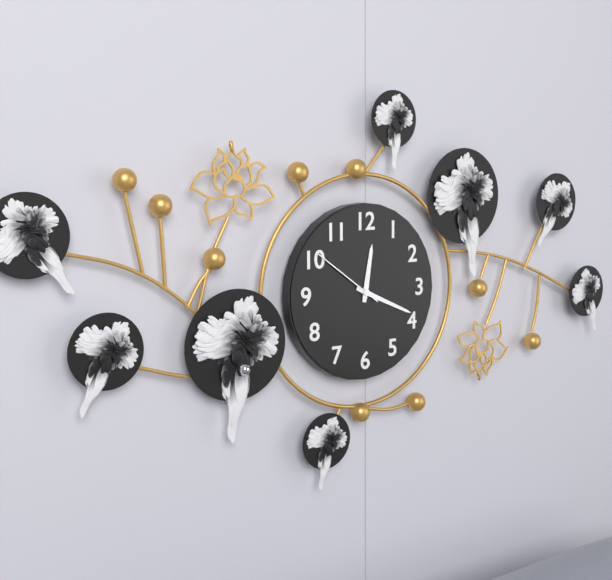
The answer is 12:19:51
